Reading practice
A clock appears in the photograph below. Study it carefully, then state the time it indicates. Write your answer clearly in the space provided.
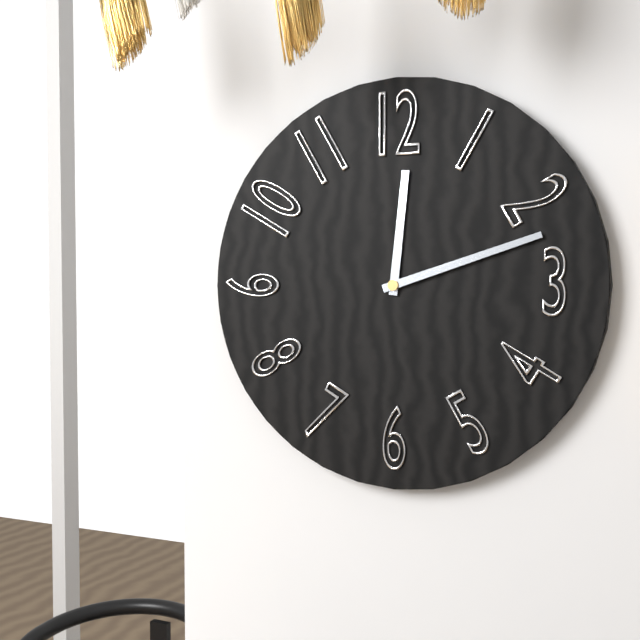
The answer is 12:12
